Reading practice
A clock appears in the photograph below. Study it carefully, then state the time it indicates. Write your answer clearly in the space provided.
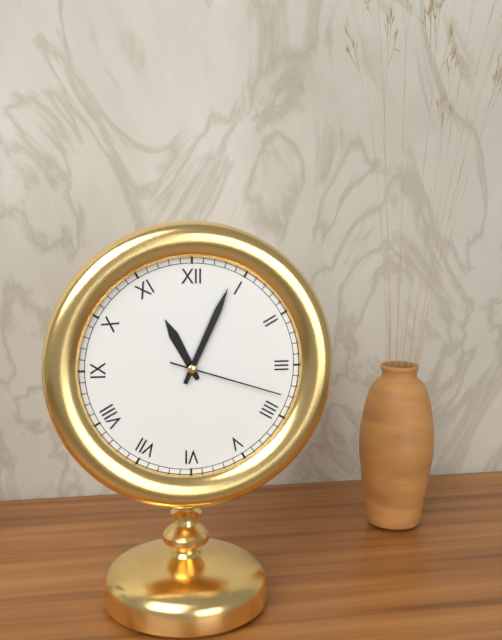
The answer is 11:04:18
